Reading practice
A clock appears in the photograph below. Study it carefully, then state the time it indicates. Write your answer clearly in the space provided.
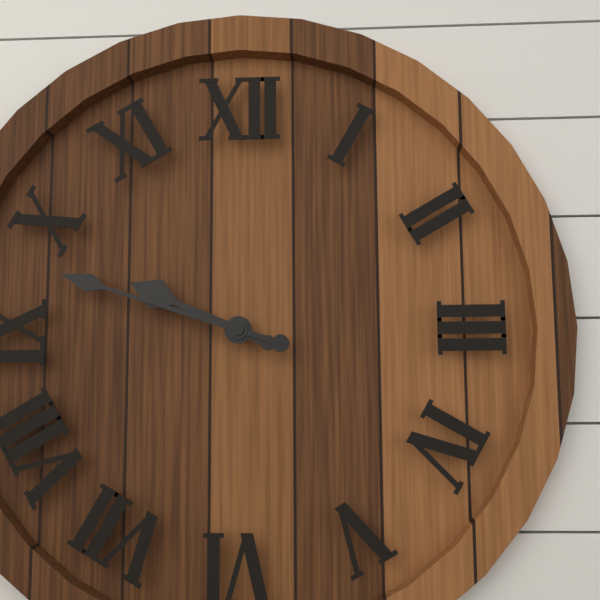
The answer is 9:48
